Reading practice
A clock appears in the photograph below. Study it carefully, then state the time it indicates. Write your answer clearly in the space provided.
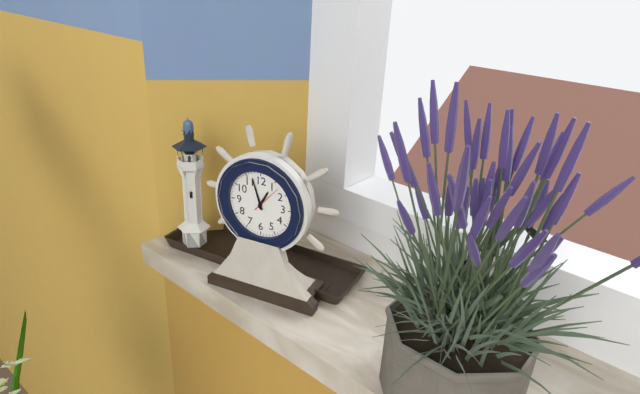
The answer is 12:57
